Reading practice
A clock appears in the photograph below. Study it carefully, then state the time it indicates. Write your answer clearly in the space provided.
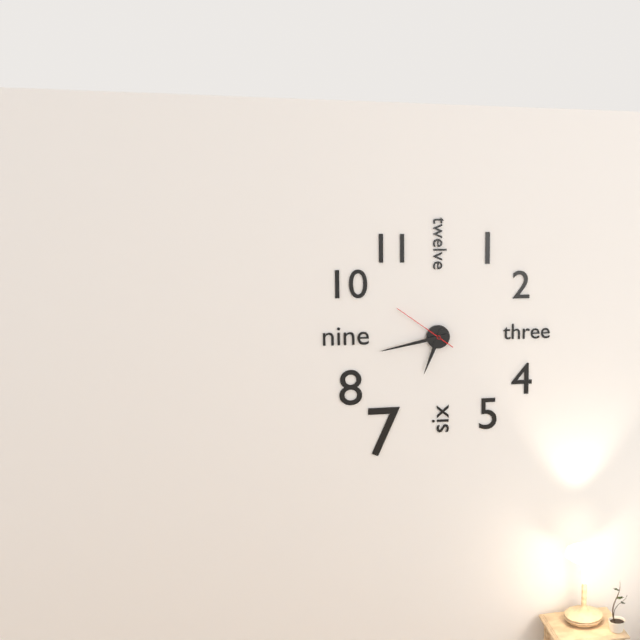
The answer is 6:43:51
